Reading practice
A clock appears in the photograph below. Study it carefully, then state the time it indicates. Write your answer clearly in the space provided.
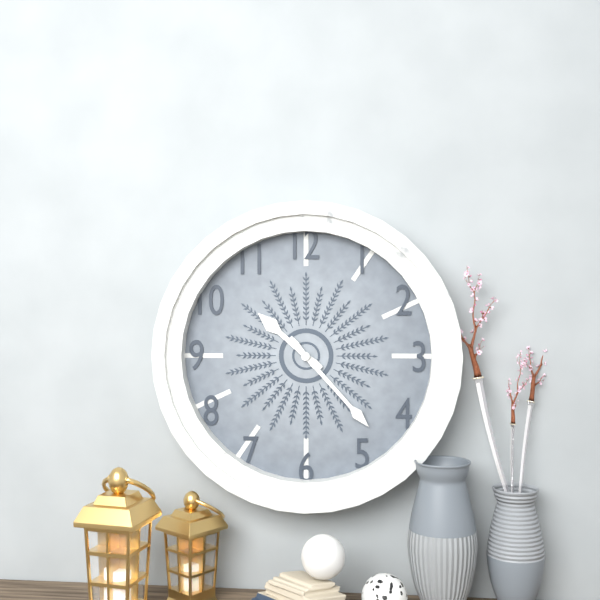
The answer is 10:23
